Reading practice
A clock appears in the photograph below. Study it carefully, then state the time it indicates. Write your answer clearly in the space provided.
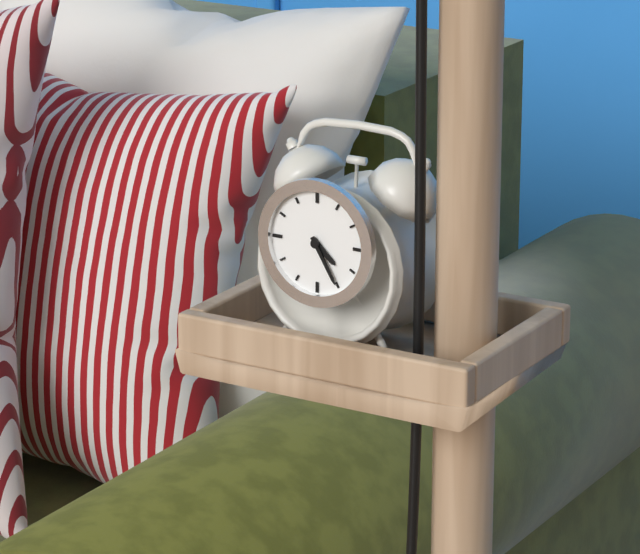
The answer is 4:25
